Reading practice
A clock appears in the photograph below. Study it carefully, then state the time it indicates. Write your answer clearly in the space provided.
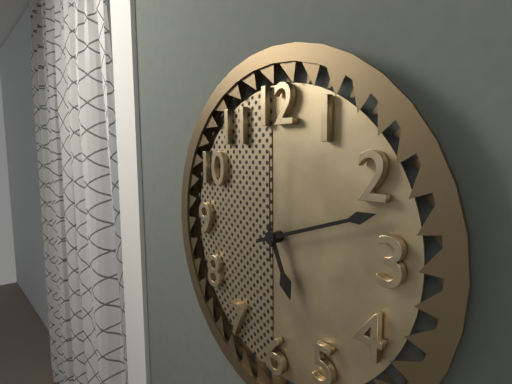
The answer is 5:12:00
